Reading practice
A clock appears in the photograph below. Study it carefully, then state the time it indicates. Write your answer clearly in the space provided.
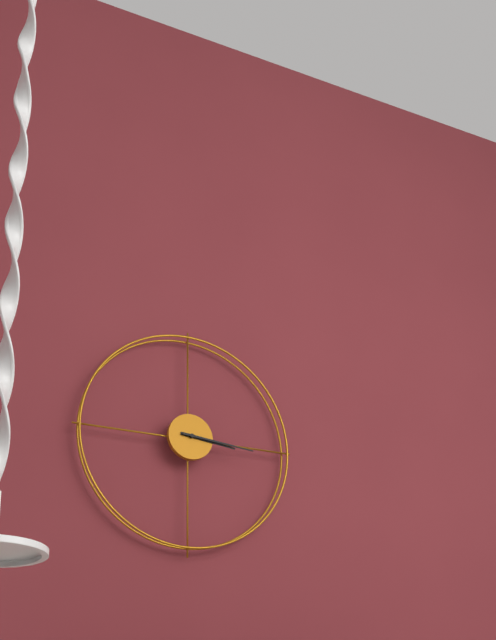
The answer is 3:16
